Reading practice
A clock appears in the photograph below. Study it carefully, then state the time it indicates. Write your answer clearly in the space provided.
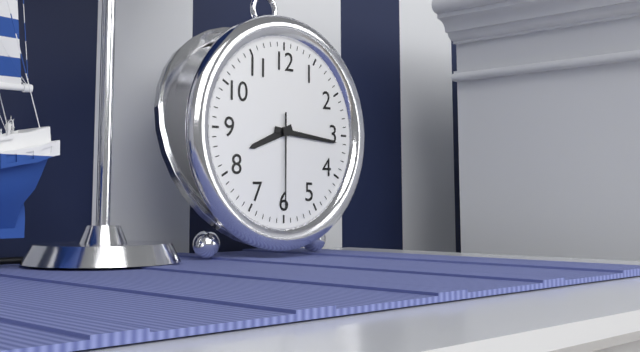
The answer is 8:16:30
